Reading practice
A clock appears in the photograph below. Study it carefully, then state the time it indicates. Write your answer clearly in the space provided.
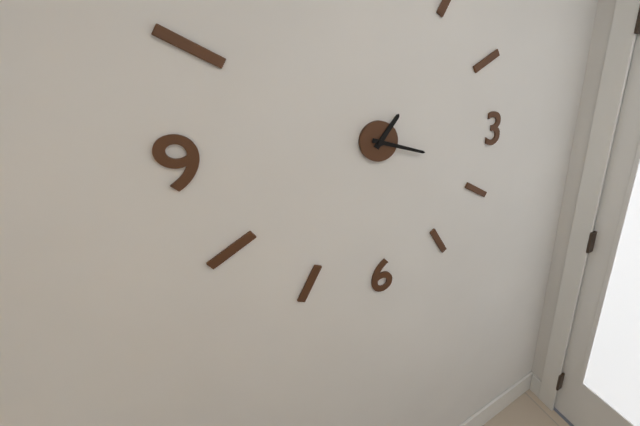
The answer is 1:18
